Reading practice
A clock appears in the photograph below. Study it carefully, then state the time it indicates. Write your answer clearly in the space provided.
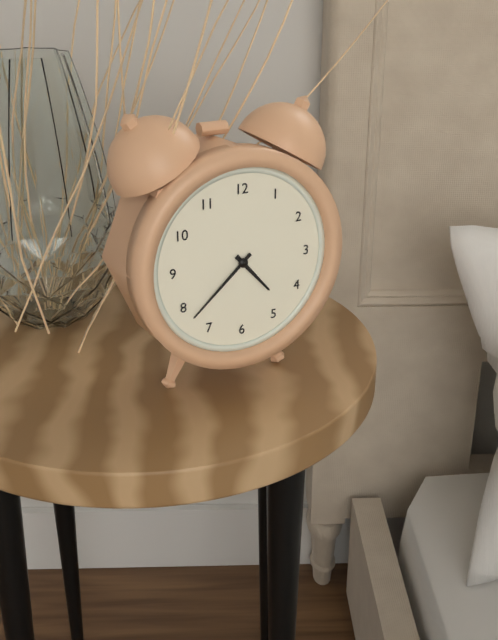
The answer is 4:38
